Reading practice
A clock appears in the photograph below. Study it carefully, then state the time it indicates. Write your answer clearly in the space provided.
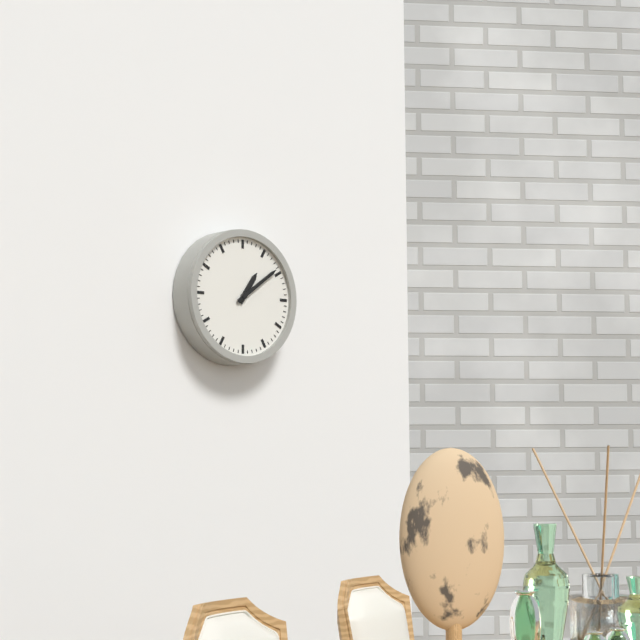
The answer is 1:09
